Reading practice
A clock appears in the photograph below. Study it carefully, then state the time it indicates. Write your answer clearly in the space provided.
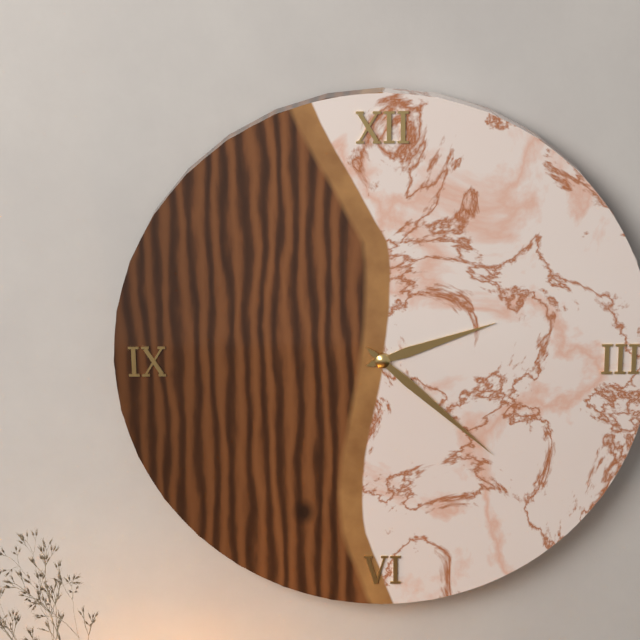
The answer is 2:22
